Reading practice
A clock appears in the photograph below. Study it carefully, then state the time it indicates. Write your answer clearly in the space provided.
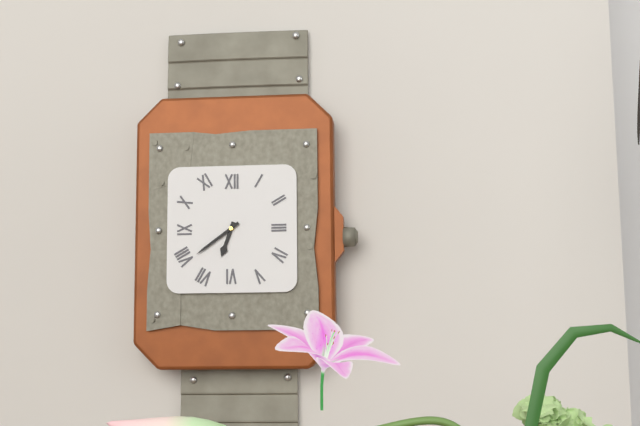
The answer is 6:39
